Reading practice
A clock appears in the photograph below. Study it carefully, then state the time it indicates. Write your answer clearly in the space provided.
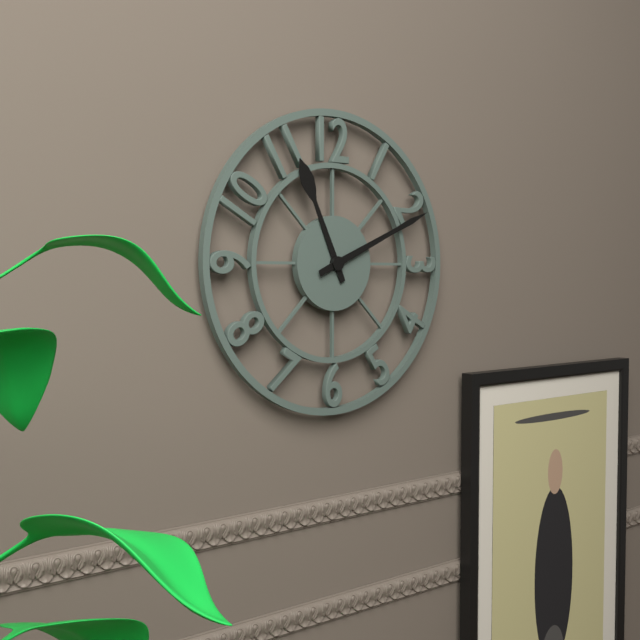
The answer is 11:11
